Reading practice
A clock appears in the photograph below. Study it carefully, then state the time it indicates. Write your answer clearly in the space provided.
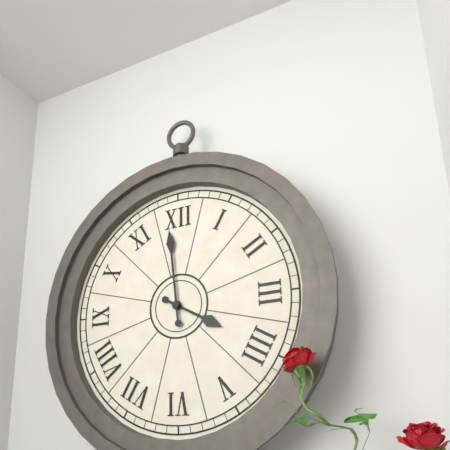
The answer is 3:59
